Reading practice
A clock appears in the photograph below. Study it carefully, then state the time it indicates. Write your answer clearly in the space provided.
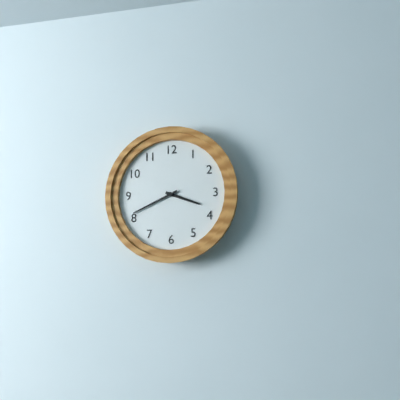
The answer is 3:41
